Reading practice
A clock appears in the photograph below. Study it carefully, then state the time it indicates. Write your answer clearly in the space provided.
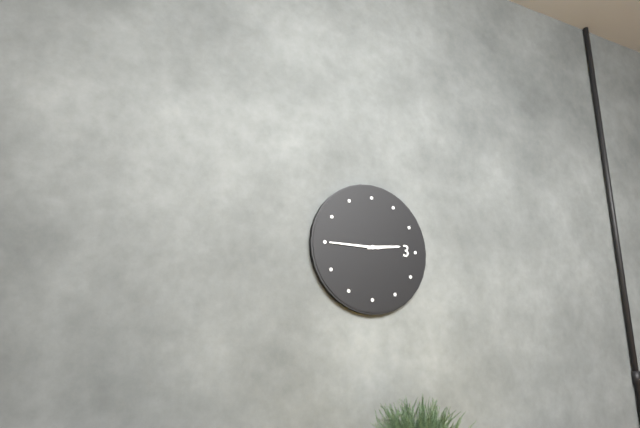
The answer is 2:45
